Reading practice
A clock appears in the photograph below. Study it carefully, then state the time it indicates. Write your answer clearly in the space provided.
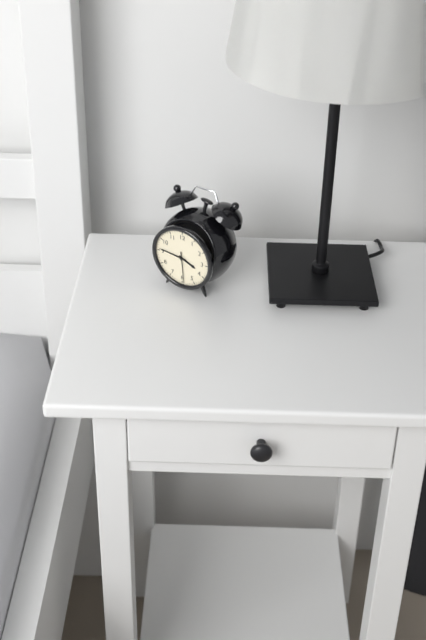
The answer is 3:46
